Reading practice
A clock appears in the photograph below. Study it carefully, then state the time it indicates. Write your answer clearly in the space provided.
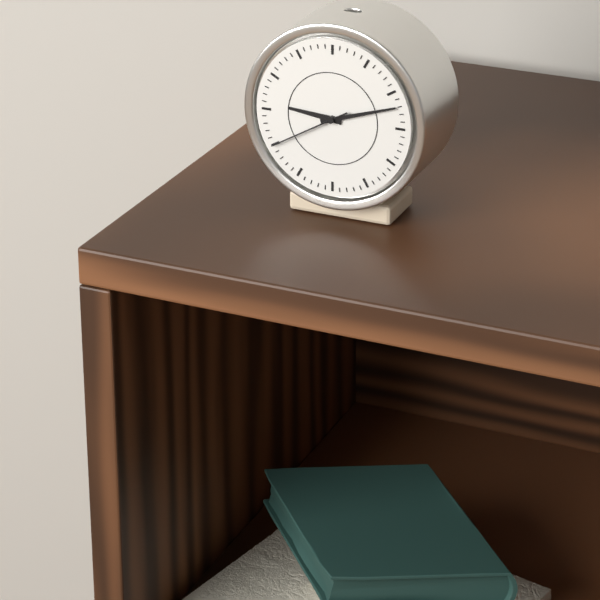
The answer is 9:12:40
